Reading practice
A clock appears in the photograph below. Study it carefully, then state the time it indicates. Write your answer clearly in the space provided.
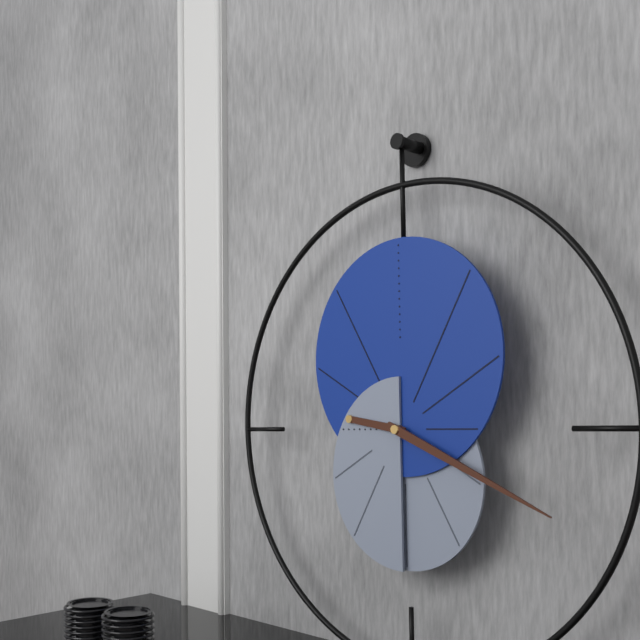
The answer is 9:19
